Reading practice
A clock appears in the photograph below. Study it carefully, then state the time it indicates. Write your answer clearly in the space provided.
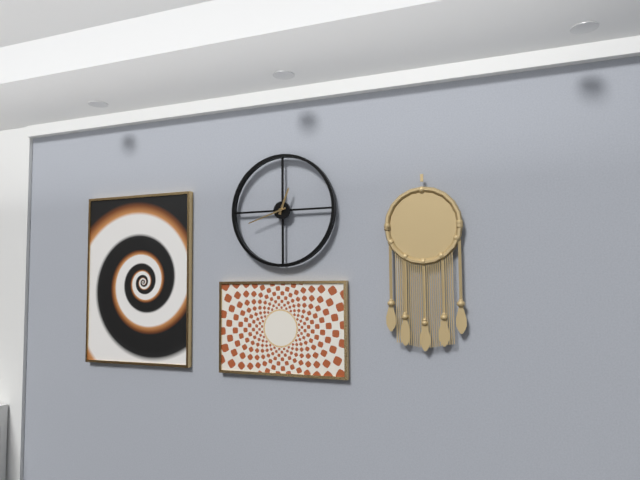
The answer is 12:42
